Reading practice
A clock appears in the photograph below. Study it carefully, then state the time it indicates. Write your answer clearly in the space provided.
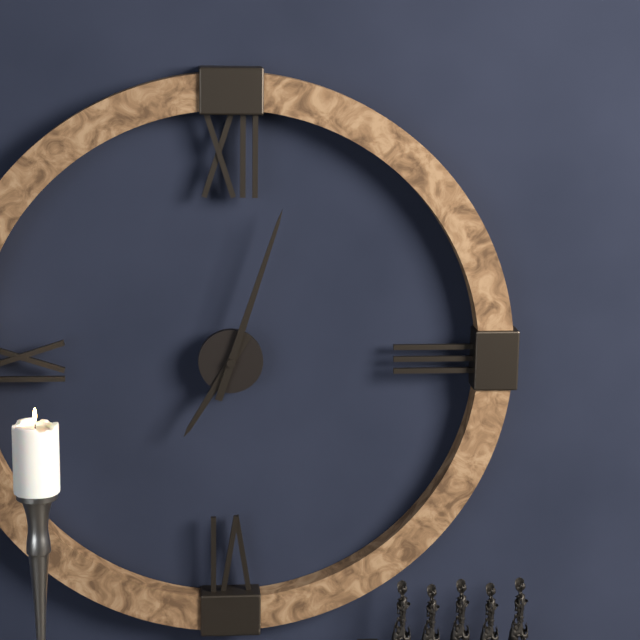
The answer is 7:03
